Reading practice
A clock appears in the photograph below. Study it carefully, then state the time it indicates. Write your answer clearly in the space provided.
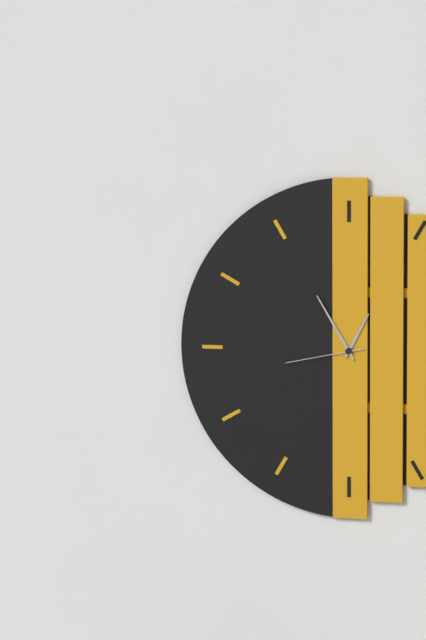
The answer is 12:55:43
